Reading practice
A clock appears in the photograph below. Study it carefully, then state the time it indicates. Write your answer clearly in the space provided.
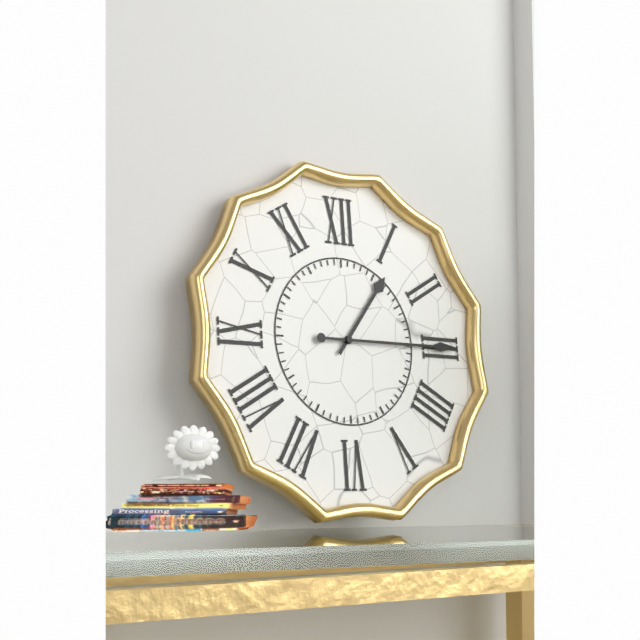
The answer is 1:15
